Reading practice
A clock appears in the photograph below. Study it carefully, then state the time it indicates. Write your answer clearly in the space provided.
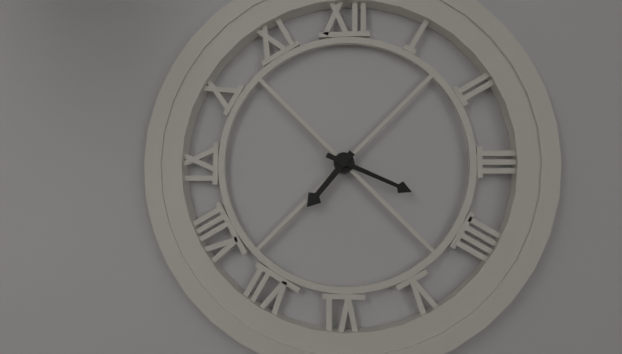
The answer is 7:19
